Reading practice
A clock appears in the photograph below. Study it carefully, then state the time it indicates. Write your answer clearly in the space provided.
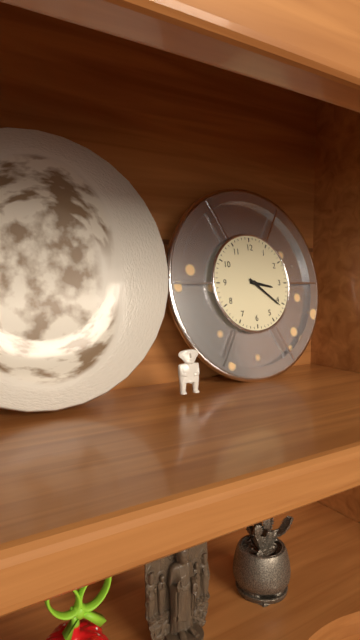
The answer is 3:21
